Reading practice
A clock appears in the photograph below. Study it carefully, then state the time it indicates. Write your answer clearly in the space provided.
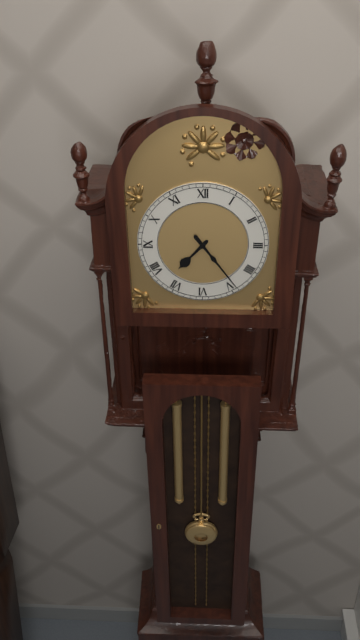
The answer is 7:24
